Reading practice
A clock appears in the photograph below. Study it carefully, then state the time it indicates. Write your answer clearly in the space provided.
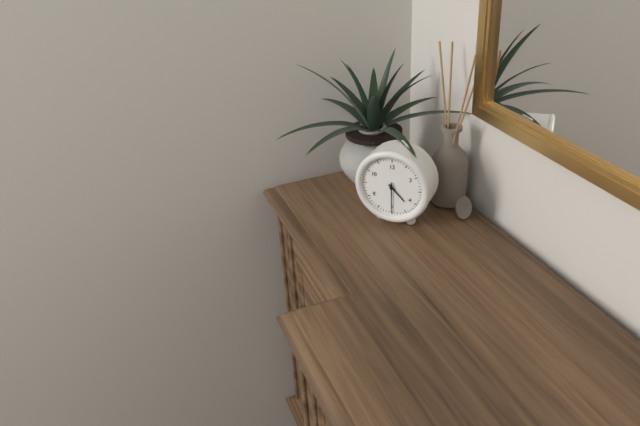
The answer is 4:30
